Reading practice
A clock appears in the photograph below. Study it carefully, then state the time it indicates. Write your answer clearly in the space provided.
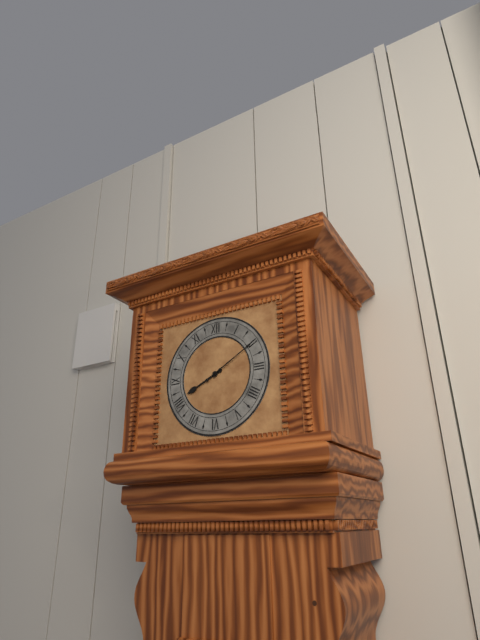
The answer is 8:10
